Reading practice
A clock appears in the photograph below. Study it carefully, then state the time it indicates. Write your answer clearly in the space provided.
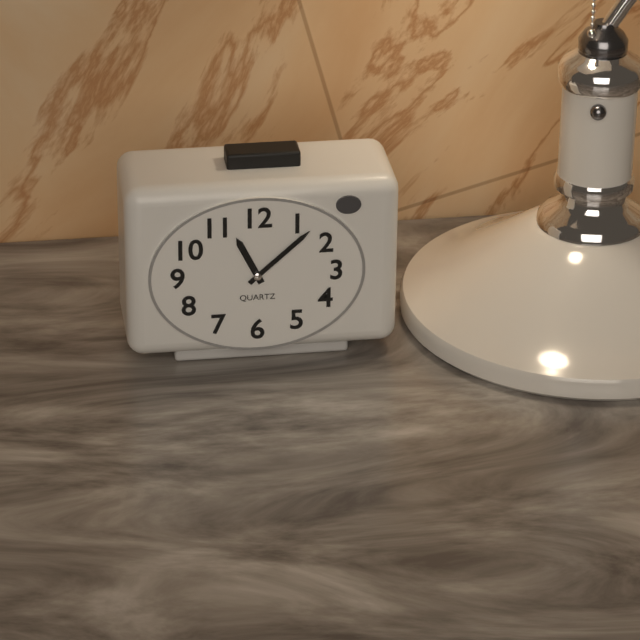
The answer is 11:08
